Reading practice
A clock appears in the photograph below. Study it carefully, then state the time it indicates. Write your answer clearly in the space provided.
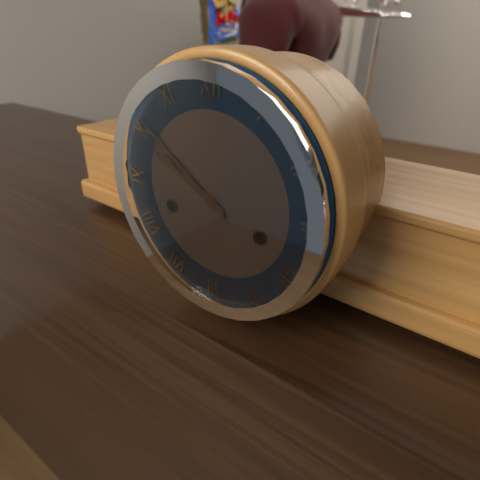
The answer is 9:51
